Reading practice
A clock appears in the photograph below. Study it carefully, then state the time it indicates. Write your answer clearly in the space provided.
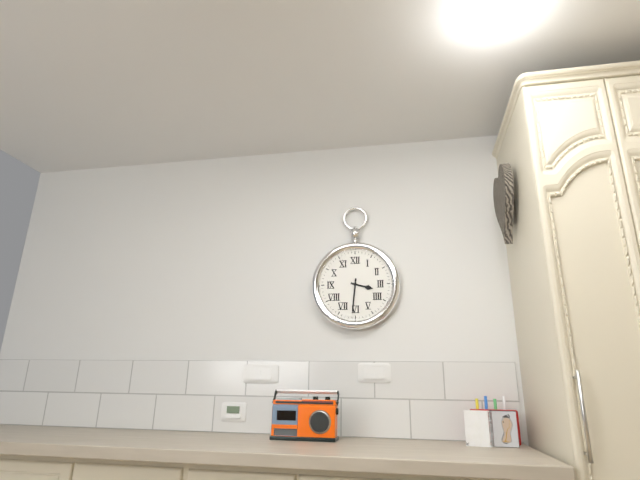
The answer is 3:31
